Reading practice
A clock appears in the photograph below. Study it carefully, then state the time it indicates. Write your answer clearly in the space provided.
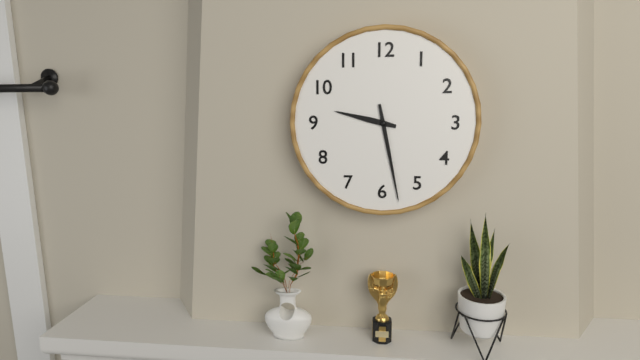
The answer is 9:28
